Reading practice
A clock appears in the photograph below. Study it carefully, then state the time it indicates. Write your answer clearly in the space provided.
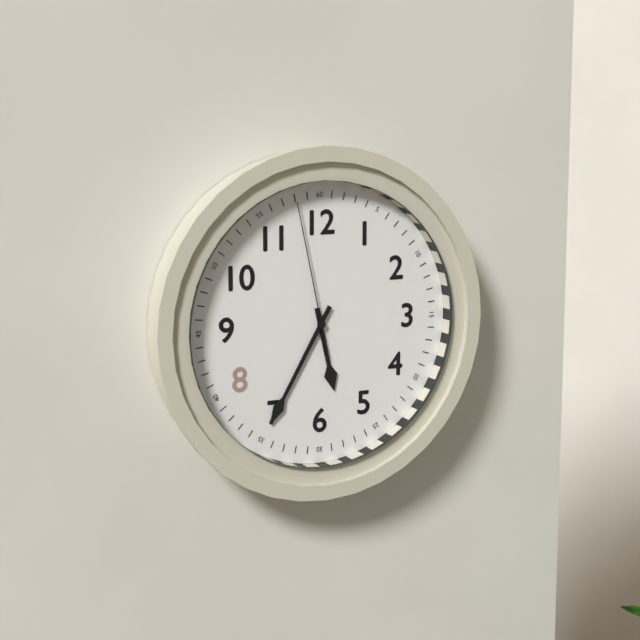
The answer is 5:35:58
